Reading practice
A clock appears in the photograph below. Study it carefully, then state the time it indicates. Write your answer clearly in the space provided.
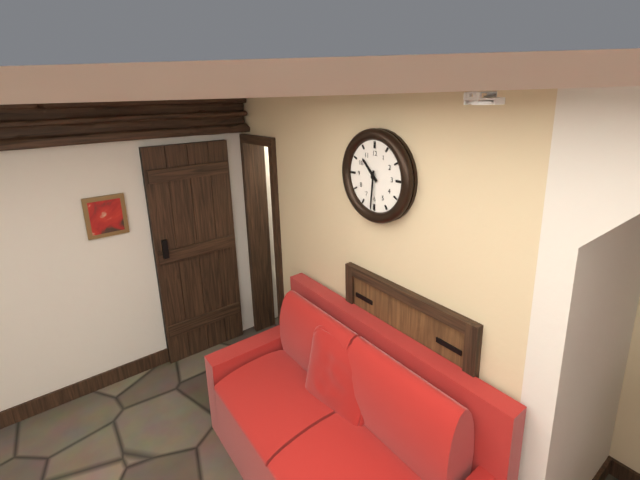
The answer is 10:31
